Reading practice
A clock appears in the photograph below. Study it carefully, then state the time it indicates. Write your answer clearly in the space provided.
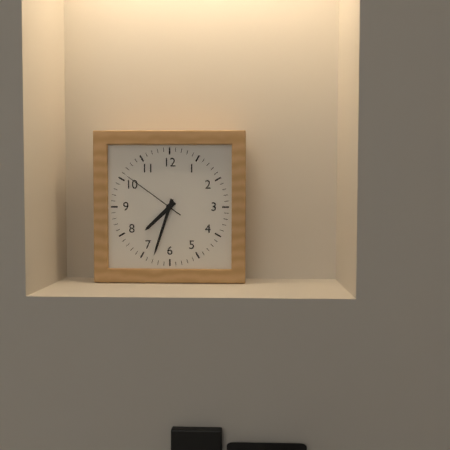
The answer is 7:33:51
